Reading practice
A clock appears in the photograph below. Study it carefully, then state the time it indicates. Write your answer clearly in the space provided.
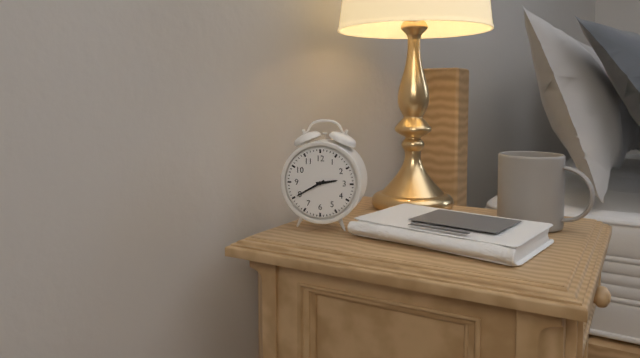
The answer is 2:40
